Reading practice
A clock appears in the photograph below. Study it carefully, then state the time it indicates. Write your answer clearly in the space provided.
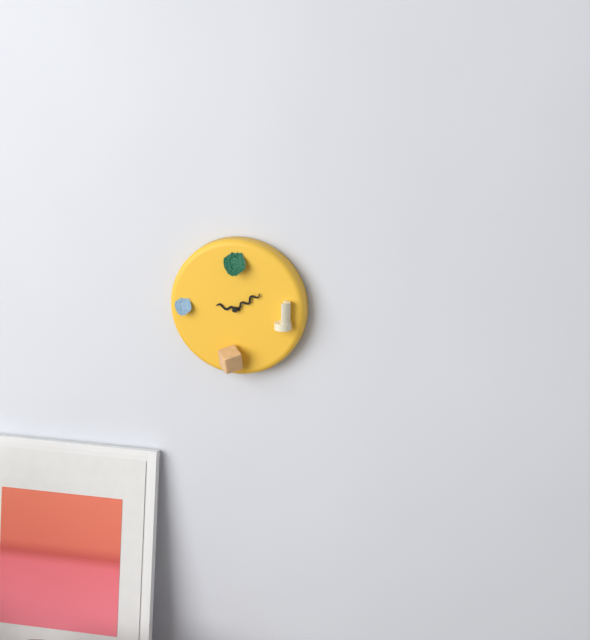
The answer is 9:09
